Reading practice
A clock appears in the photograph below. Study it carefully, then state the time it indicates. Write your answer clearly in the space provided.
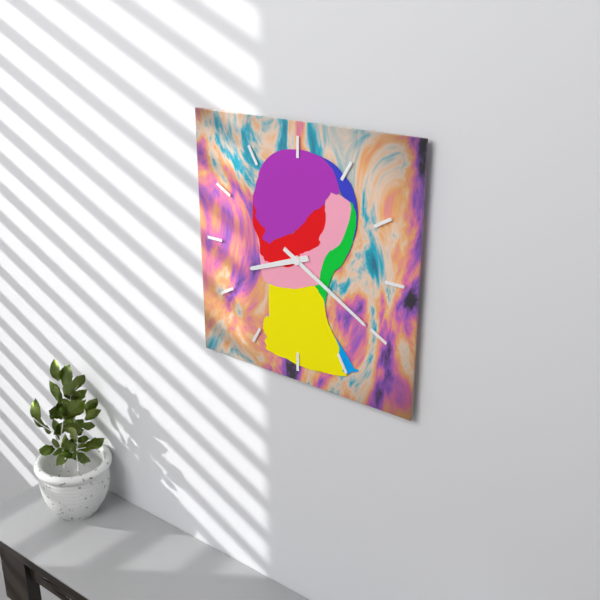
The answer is 8:20
